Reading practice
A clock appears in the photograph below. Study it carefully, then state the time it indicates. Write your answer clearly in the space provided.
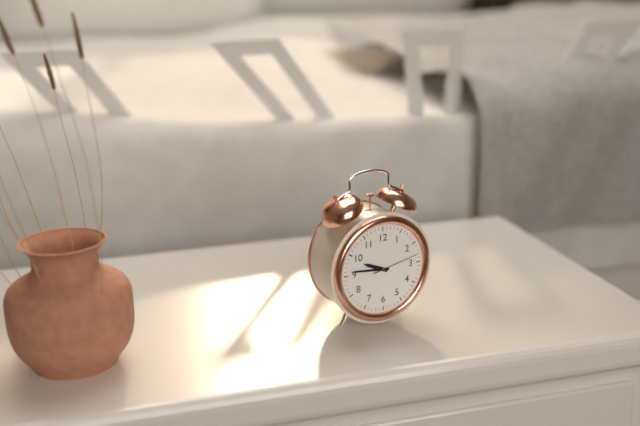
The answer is 9:46
